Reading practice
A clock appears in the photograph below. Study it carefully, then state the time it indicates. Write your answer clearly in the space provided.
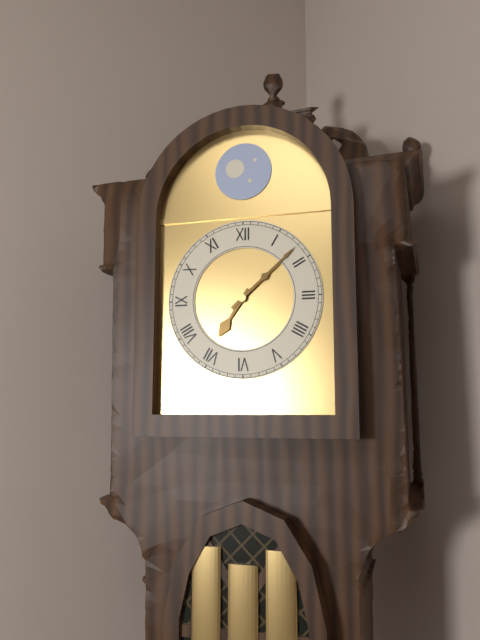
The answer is 7:08
